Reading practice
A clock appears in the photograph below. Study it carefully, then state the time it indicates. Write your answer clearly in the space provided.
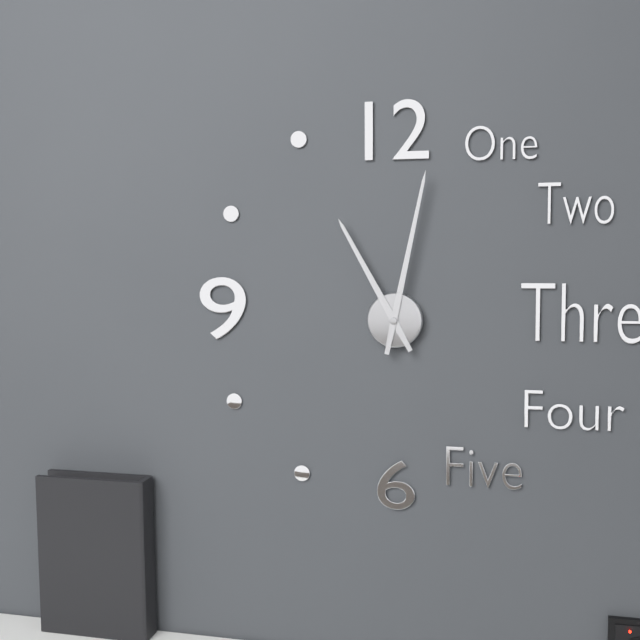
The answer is 11:02
